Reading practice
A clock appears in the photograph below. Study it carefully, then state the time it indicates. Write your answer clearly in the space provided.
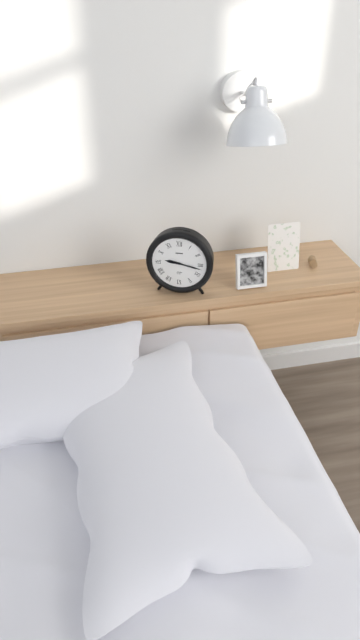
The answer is 9:17
